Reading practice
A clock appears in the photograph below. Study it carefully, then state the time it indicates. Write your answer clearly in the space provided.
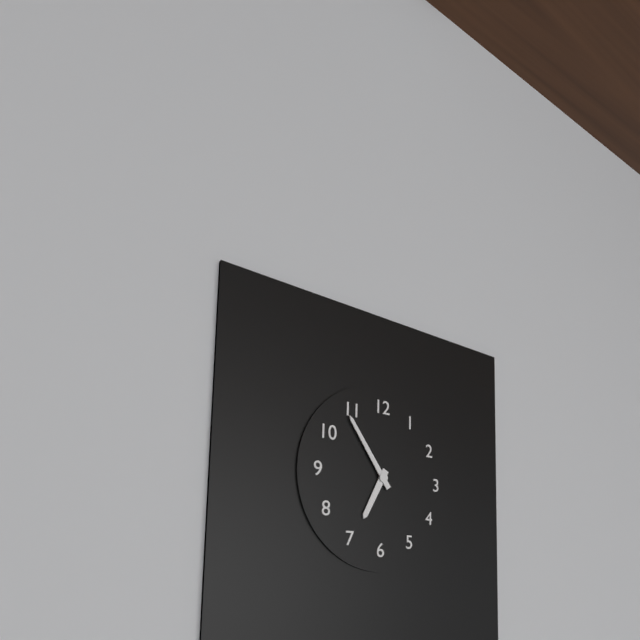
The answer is 6:54
